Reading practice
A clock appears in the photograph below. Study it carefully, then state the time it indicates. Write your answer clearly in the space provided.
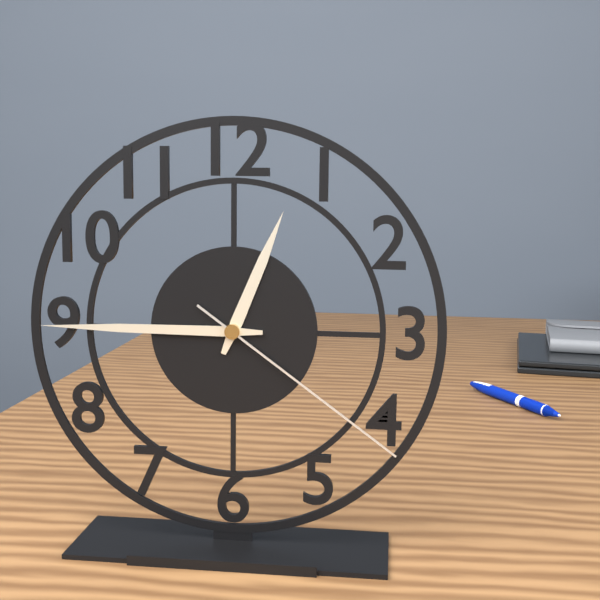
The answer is 12:45:21
